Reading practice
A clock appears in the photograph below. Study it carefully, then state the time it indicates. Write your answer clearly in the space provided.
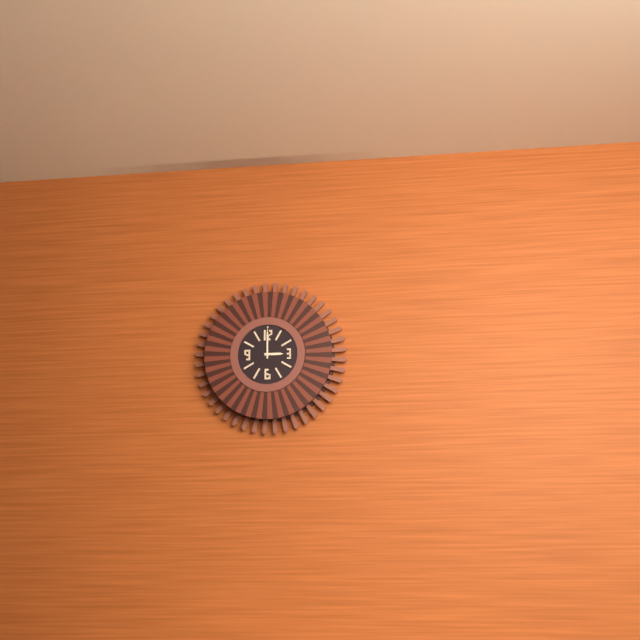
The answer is 3:00
